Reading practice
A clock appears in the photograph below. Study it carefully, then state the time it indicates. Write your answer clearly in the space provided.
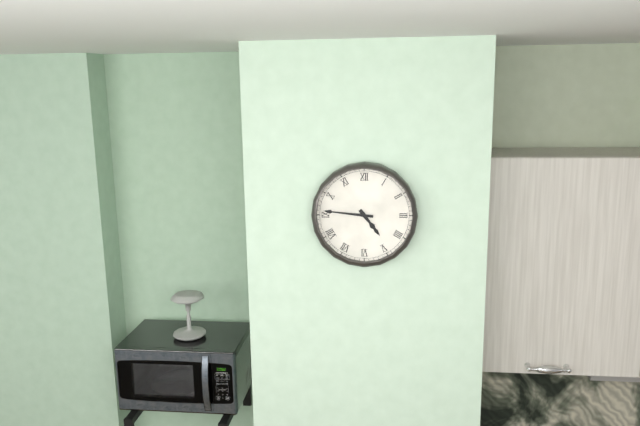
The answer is 4:46
